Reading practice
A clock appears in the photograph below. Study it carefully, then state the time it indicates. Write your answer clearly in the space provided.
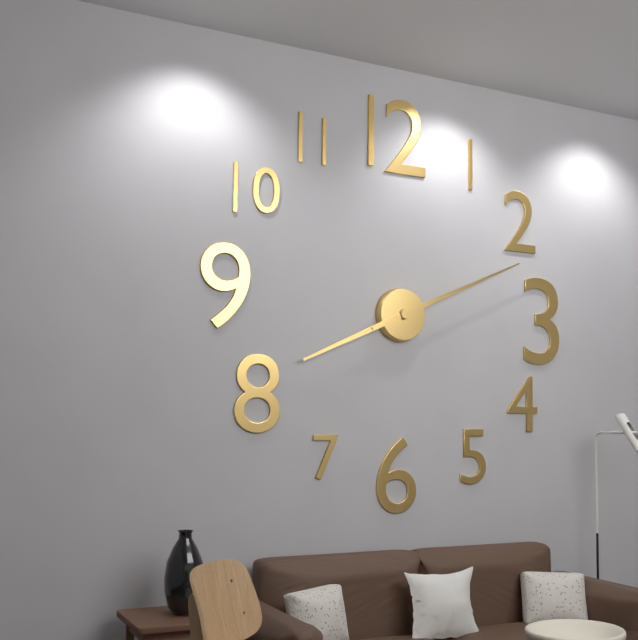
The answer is 8:11
